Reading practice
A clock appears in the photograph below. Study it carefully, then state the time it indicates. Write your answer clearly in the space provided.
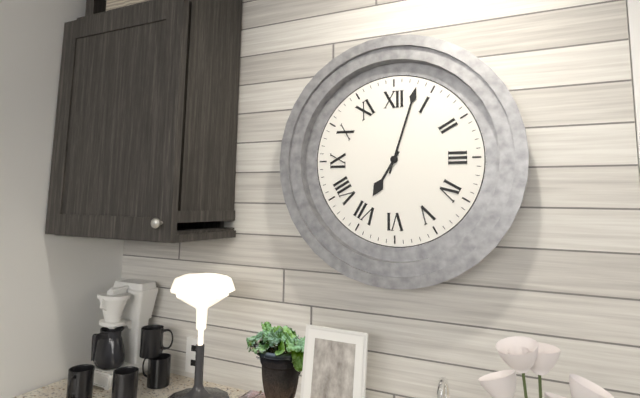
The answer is 7:03
